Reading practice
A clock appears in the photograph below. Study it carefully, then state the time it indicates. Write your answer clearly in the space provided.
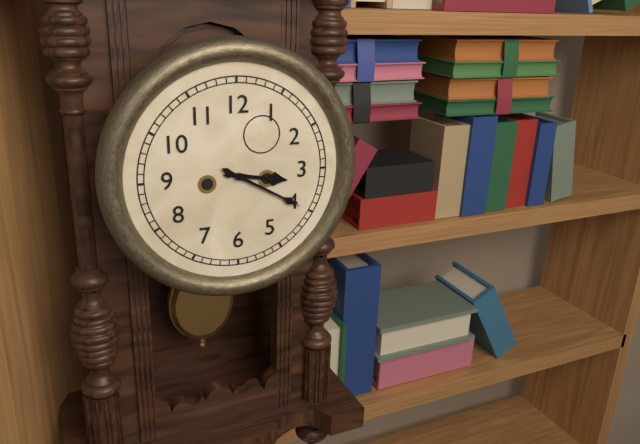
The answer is 3:20
